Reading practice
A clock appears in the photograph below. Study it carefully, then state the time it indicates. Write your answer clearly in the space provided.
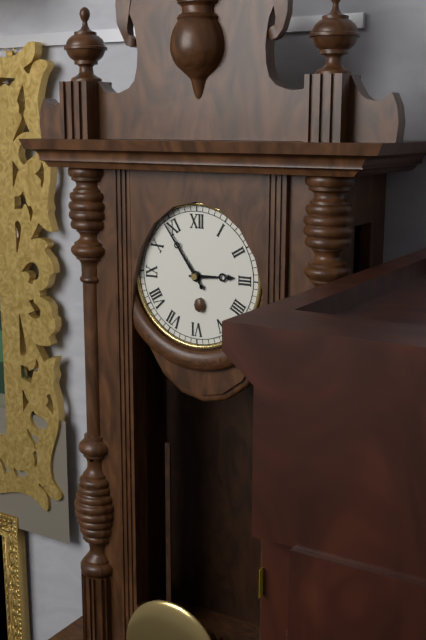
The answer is 2:54
